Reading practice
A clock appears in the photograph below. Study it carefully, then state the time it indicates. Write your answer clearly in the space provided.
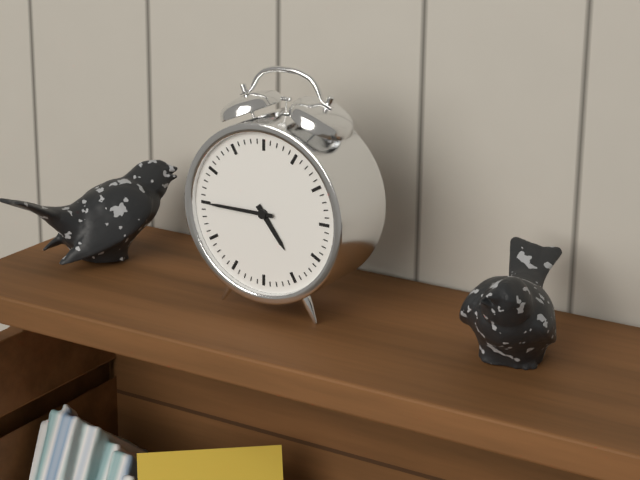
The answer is 4:45
